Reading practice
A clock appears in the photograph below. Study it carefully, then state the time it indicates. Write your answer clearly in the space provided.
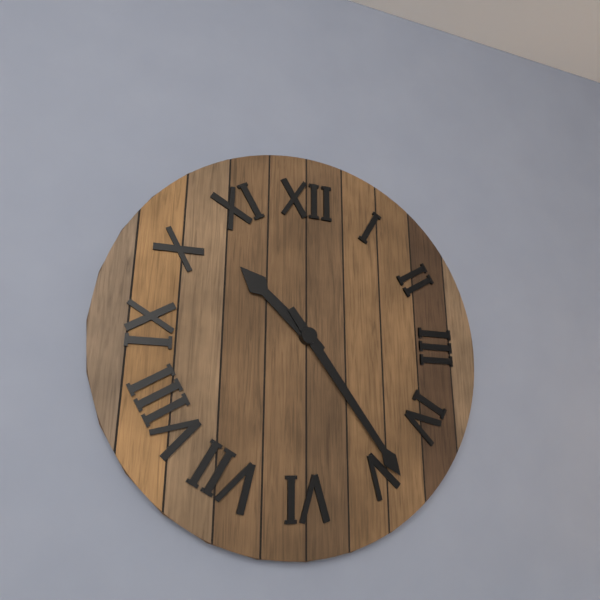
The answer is 10:24
